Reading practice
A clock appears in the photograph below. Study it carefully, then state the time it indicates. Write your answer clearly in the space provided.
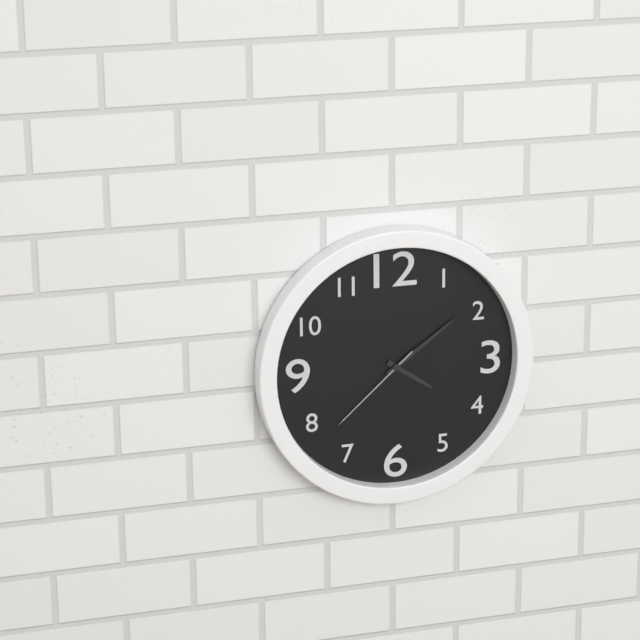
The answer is 4:09:38
